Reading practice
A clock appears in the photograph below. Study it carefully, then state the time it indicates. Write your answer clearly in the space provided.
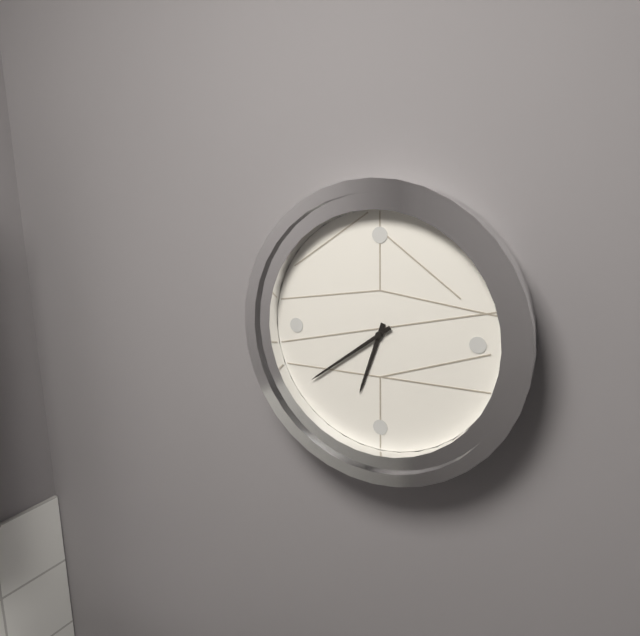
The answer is 6:39
